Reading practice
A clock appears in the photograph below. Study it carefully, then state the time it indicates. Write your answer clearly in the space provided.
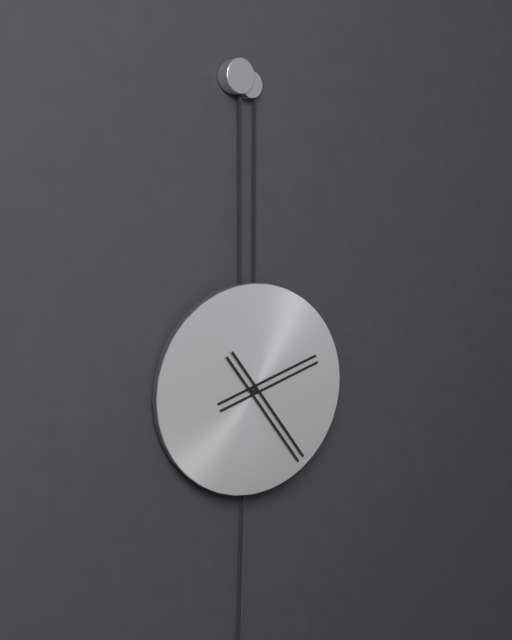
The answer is 2:24
